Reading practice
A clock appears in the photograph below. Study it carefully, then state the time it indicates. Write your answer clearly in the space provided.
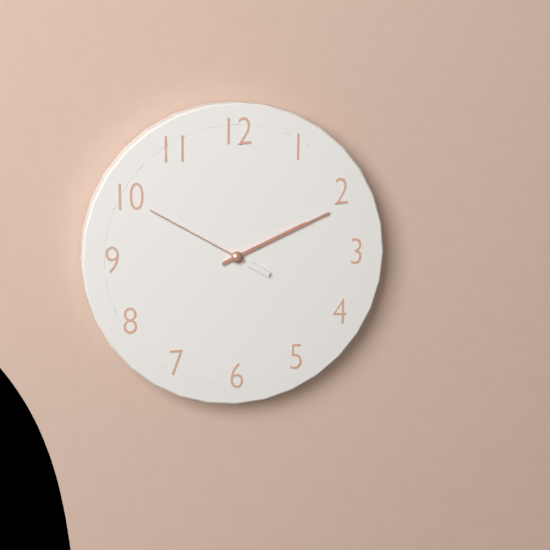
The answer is 2:11:50
